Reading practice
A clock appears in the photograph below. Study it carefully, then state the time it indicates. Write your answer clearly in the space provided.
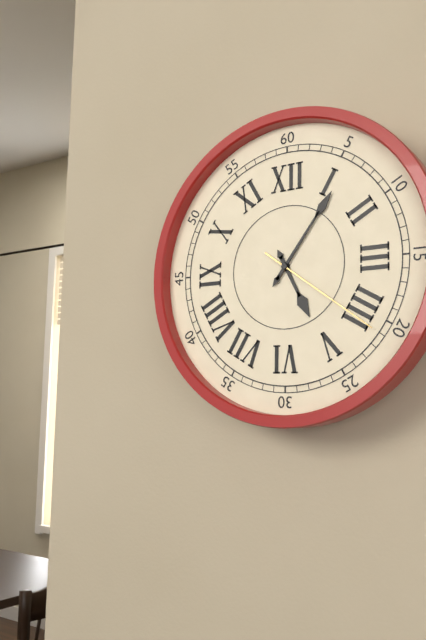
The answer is 5:06:21
